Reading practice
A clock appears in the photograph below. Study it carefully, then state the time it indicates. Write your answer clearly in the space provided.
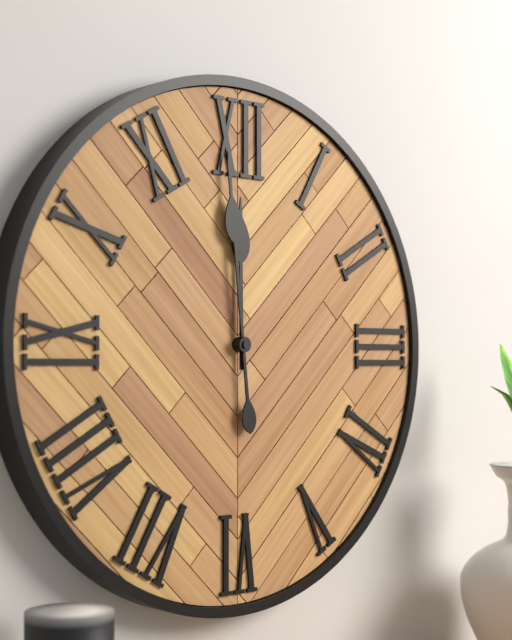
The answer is 11:59
